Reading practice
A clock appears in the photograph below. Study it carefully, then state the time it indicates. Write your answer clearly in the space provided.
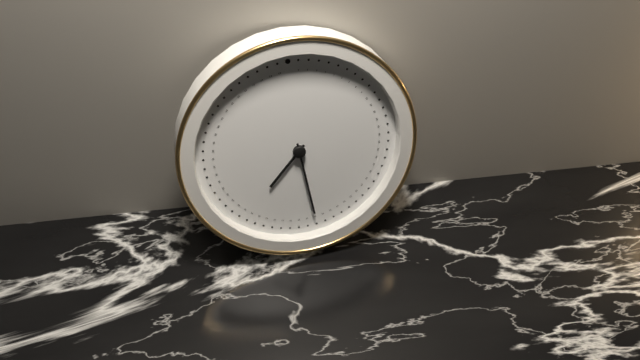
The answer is 7:29
